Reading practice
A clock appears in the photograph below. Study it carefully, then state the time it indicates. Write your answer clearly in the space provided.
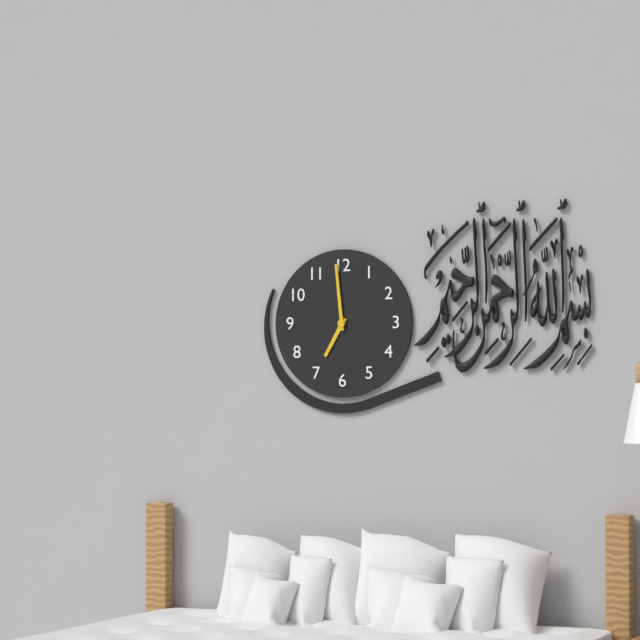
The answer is 6:59
